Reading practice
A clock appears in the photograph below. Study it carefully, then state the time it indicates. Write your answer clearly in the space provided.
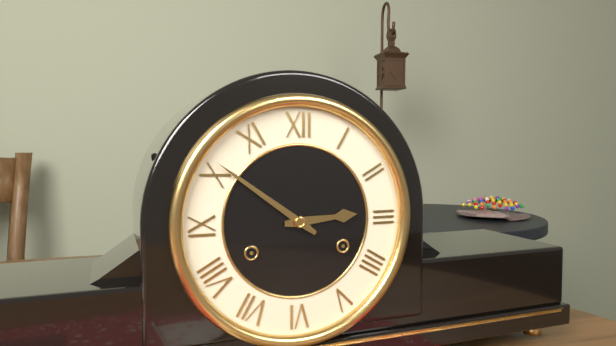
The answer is 2:51
